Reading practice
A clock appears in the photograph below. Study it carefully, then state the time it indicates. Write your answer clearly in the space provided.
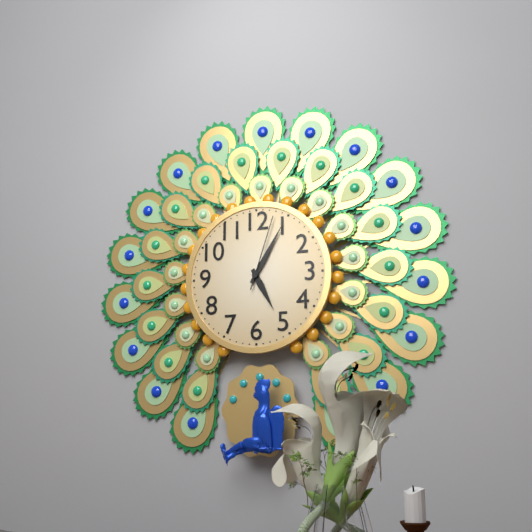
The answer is 5:05:03
